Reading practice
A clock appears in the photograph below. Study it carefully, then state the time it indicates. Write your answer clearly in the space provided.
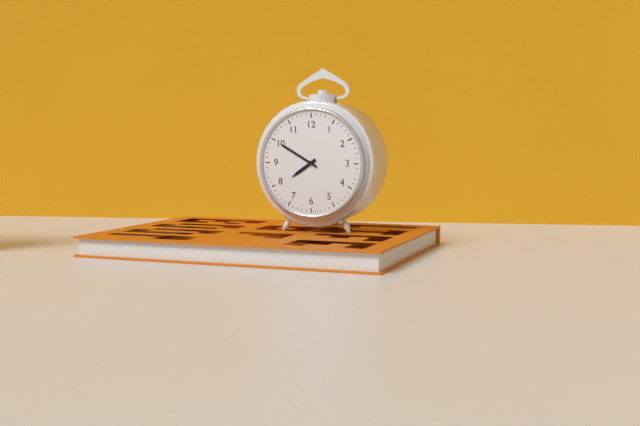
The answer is 7:50
